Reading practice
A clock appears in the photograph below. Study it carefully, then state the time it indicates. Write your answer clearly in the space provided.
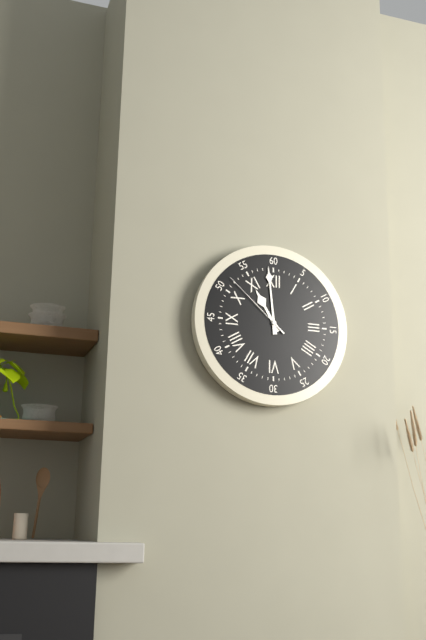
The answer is 10:59:52
